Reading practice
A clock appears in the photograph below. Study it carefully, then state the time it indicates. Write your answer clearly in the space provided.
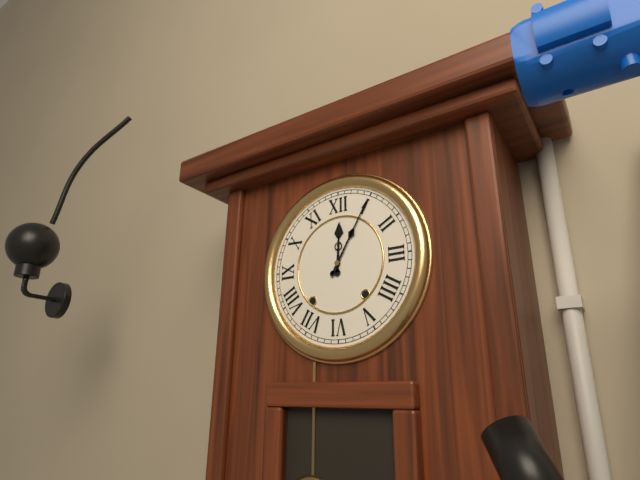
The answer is 12:05
